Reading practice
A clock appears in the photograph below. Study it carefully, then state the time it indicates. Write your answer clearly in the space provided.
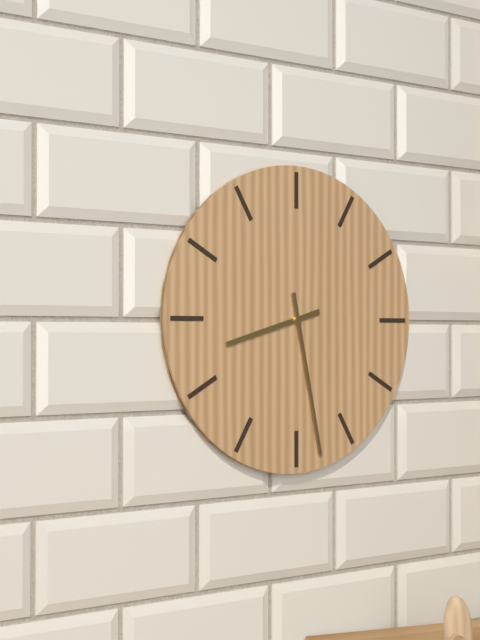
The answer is 8:28
